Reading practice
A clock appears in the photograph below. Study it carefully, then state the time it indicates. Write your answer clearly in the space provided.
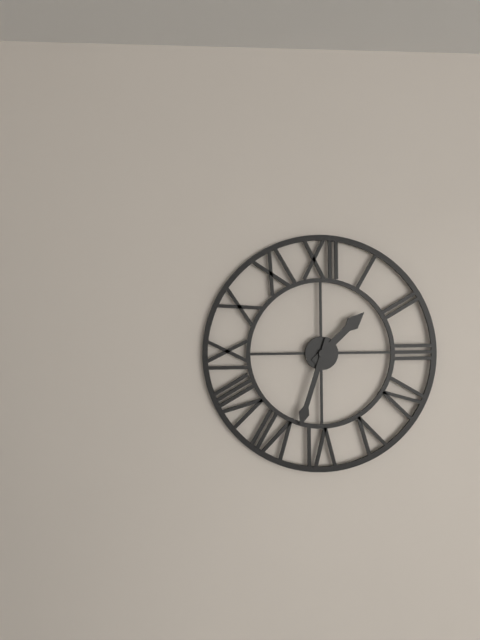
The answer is 1:33
